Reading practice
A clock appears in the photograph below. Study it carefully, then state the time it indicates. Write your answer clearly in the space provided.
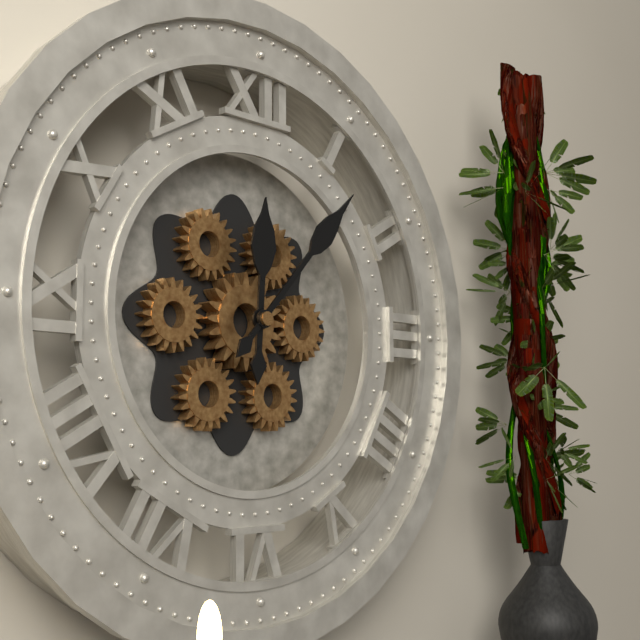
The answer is 12:07
